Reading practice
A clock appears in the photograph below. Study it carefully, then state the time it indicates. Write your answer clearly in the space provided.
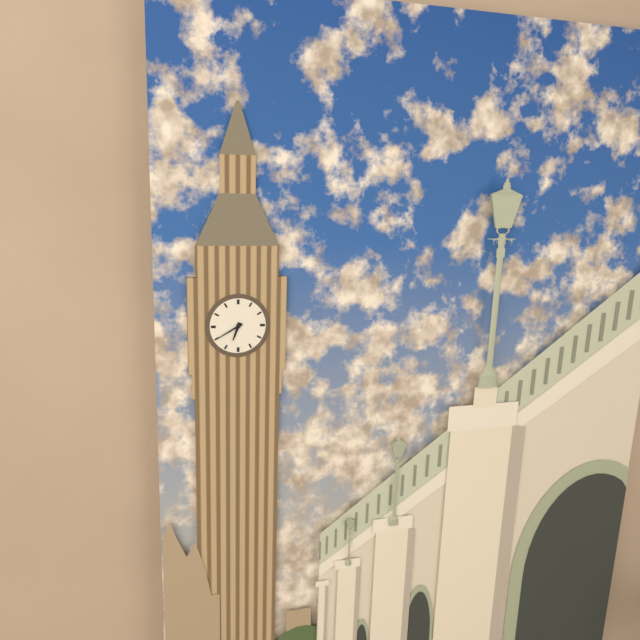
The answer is 6:40
